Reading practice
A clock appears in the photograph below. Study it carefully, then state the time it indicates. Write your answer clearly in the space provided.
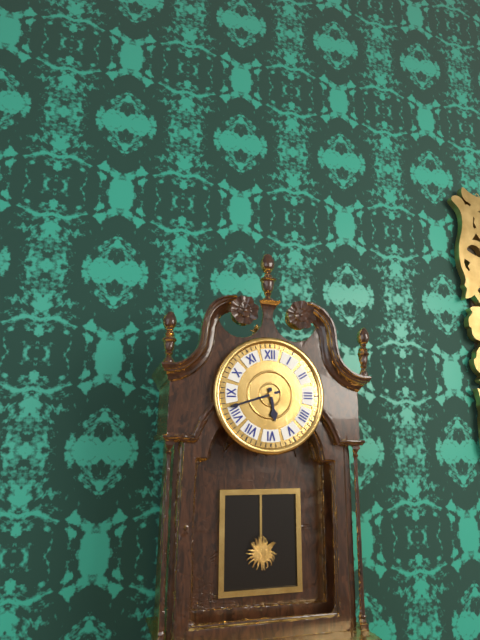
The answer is 5:42
